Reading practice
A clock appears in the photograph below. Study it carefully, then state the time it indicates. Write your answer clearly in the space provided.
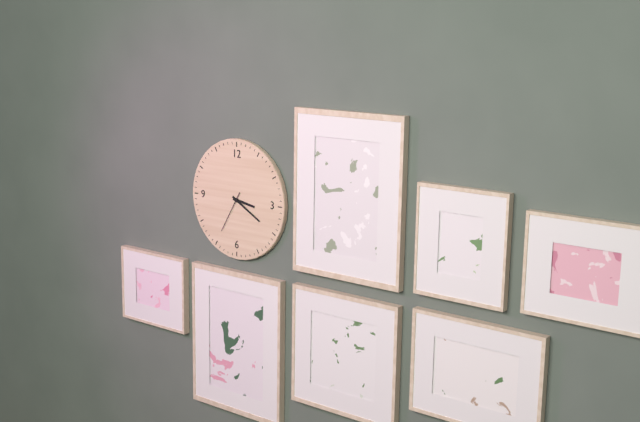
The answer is 3:20
